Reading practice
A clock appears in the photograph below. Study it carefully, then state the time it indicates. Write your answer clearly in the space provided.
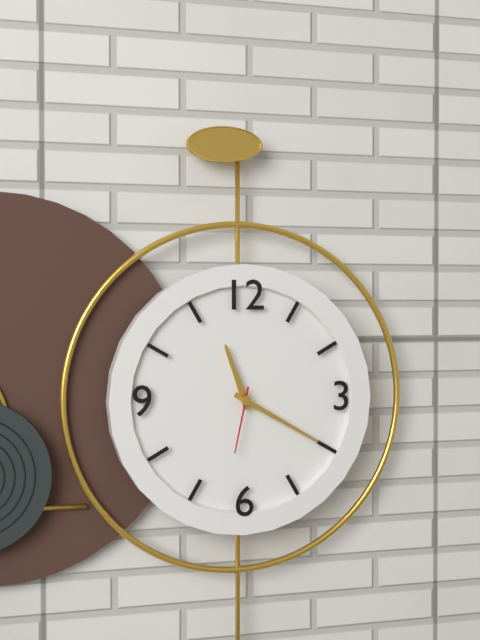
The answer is 11:20:32
